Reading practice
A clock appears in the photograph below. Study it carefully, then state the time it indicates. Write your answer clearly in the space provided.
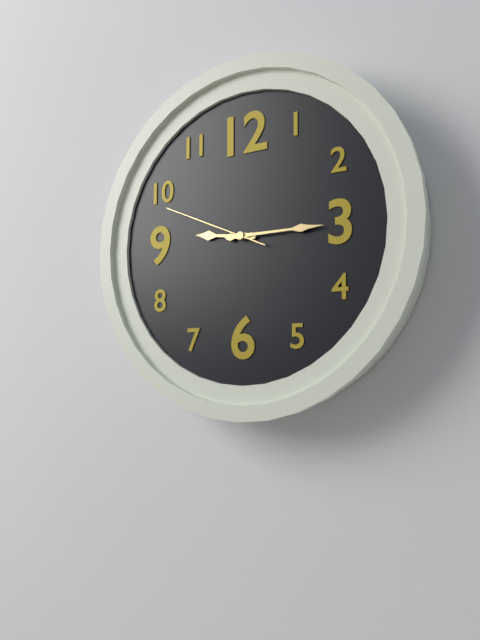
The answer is 9:15:49
